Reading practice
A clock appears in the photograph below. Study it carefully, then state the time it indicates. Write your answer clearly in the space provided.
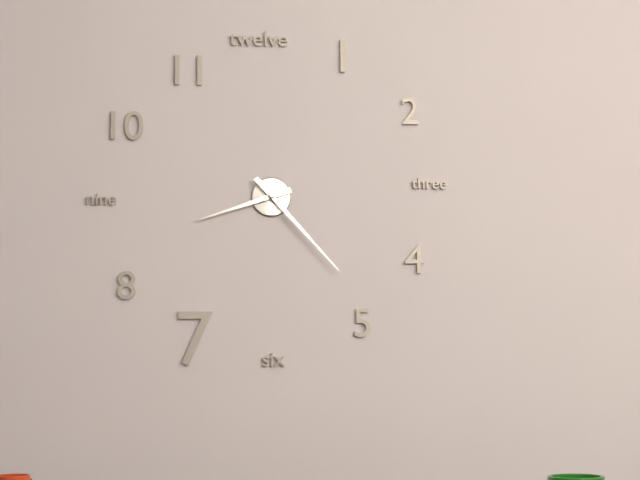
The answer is 8:23
